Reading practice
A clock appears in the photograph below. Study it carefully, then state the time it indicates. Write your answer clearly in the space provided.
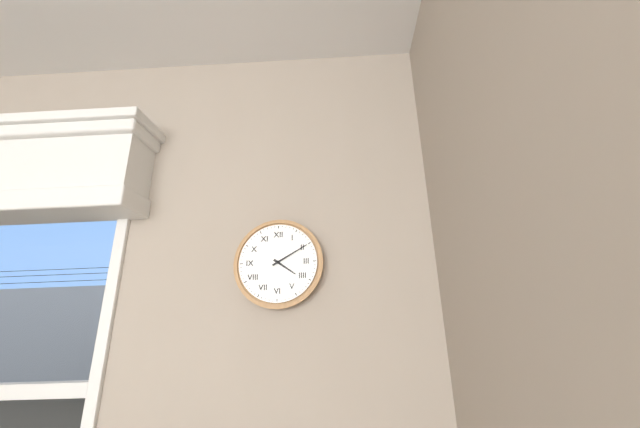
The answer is 4:10
